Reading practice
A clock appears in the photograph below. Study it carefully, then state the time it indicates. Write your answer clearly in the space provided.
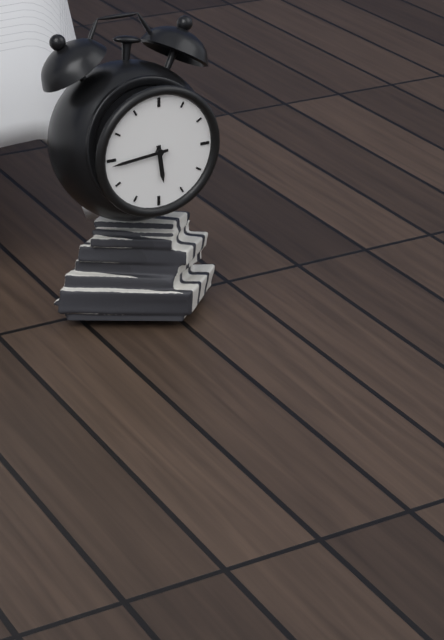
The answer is 5:44
